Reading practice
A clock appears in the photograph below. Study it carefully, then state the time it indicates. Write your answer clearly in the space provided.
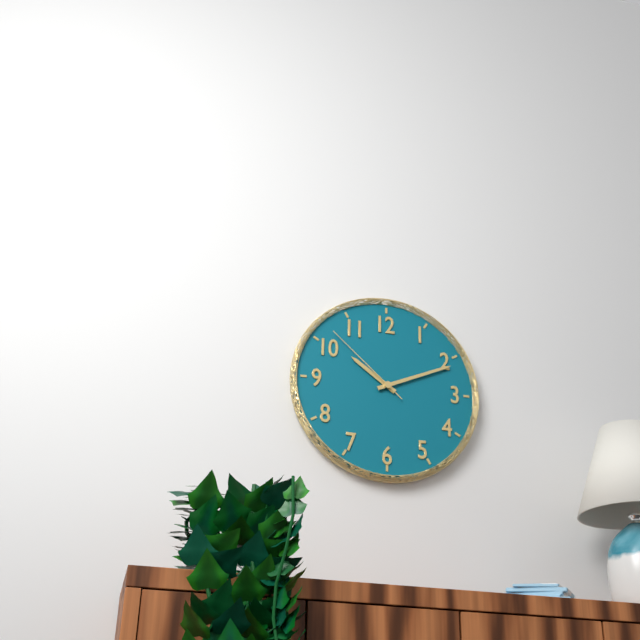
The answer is 10:11:52
